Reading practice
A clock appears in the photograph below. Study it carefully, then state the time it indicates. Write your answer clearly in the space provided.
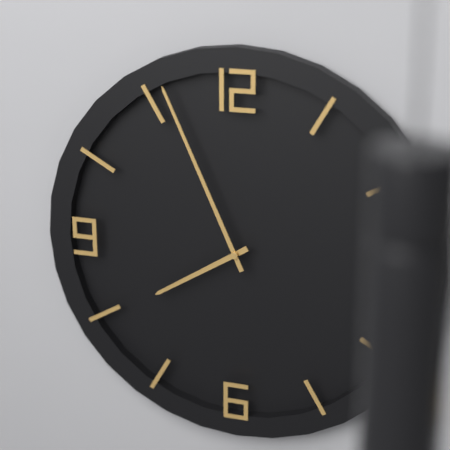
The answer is 7:56
